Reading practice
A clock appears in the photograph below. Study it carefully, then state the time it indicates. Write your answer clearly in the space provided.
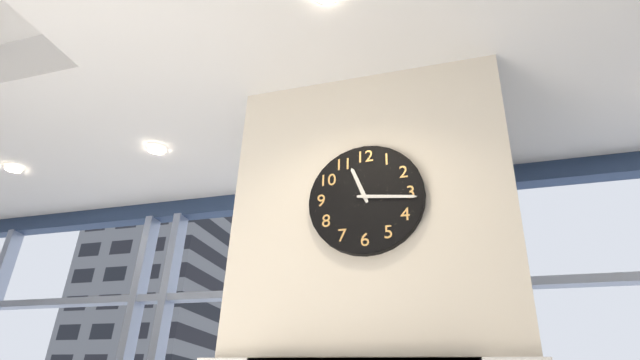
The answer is 11:16
